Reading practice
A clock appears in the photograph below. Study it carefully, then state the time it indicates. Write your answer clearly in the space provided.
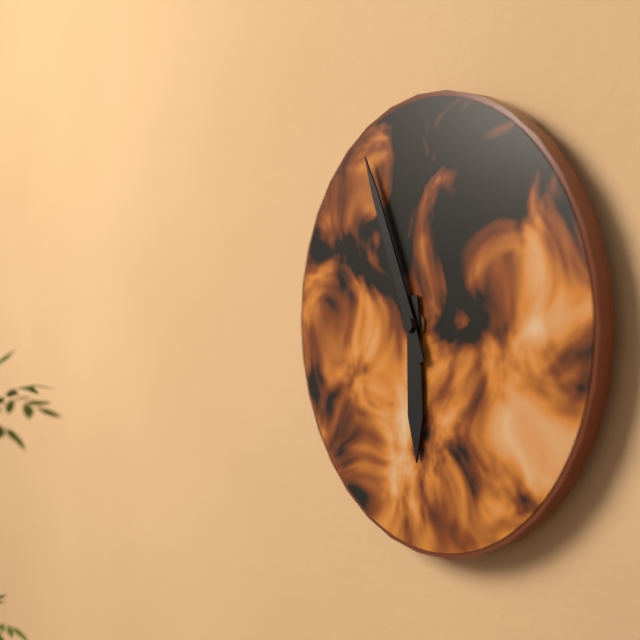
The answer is 5:56
